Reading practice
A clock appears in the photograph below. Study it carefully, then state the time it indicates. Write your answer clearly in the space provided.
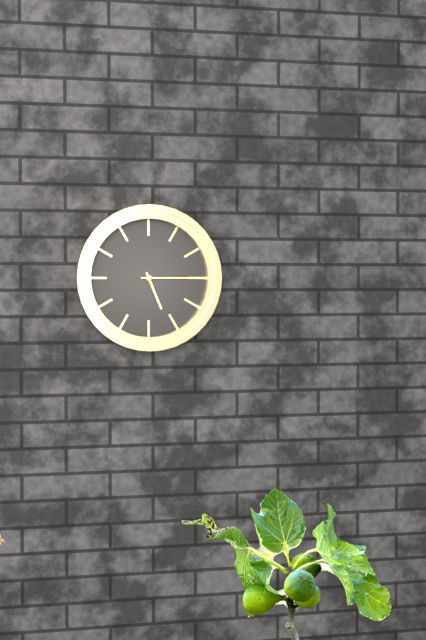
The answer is 5:15
